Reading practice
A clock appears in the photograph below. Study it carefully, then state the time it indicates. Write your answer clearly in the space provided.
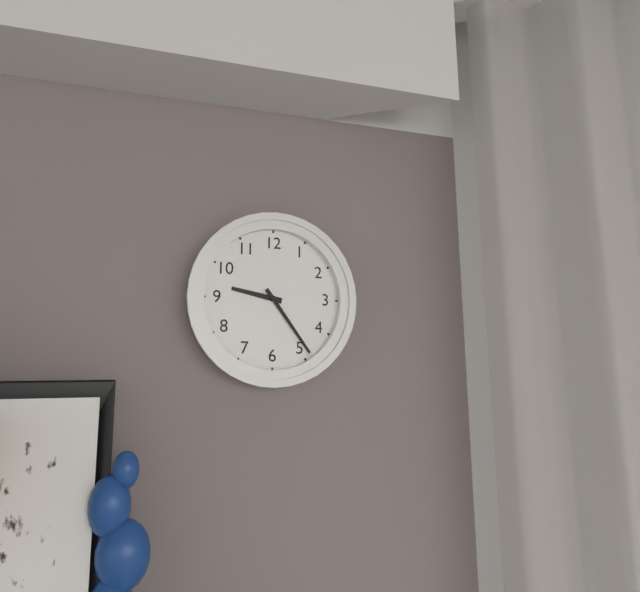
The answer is 9:24
